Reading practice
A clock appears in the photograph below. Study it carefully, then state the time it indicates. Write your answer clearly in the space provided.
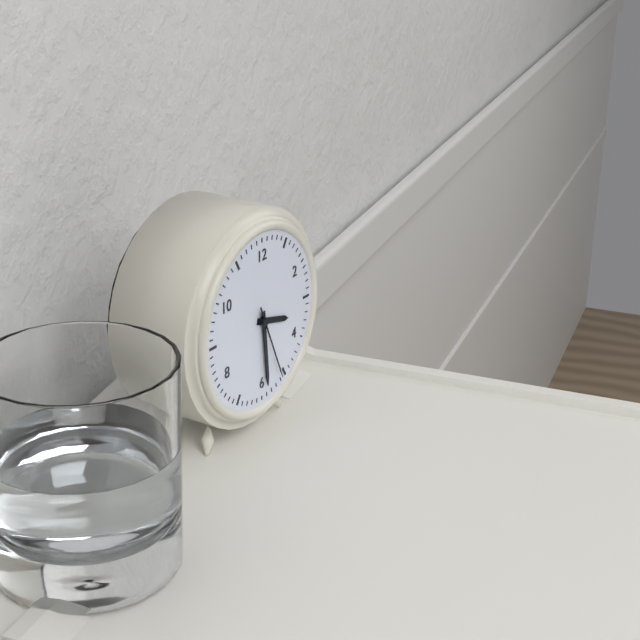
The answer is 3:29:26
